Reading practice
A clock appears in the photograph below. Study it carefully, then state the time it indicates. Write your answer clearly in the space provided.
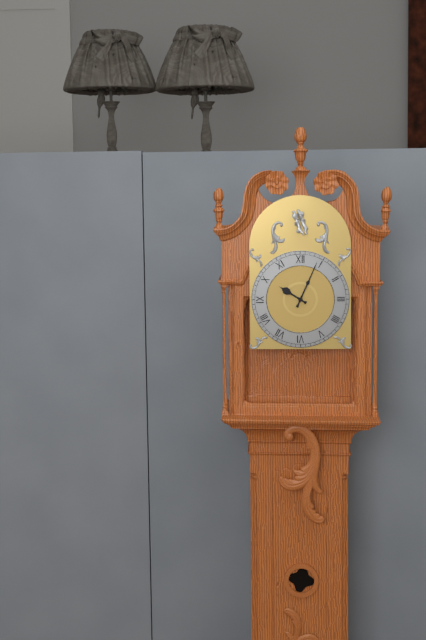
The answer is 10:04
